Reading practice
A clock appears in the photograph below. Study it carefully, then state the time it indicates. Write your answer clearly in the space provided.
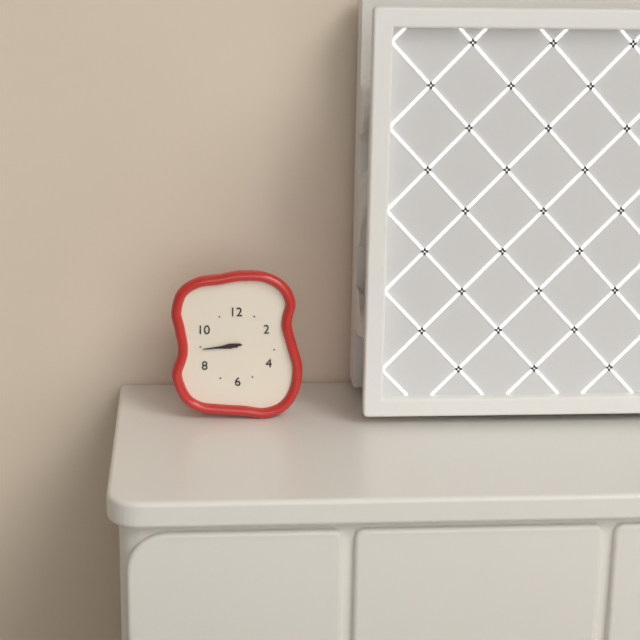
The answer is 8:44
